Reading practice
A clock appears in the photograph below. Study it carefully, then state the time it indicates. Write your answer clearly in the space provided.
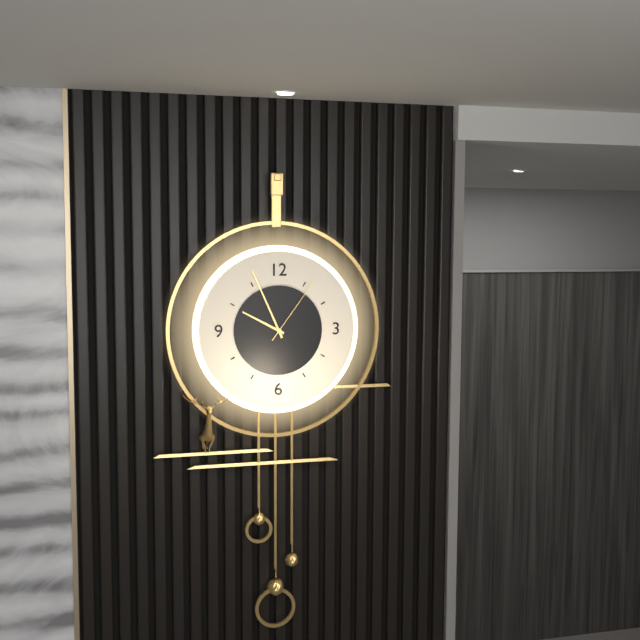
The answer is 9:56:06
